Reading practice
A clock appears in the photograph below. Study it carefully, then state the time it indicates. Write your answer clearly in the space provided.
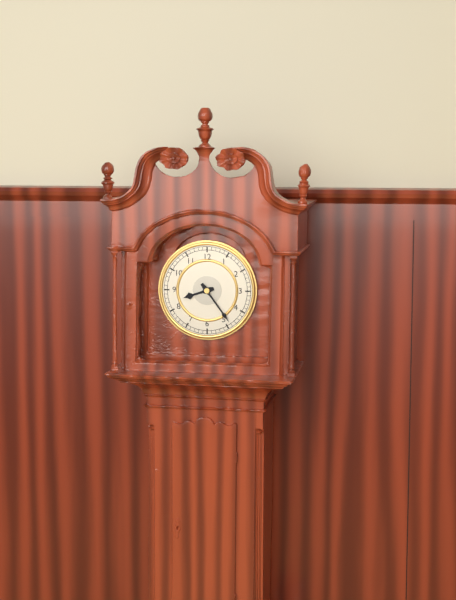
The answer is 8:24
